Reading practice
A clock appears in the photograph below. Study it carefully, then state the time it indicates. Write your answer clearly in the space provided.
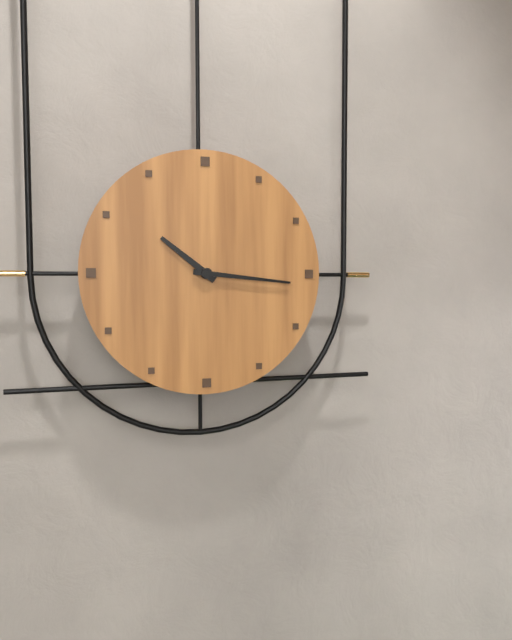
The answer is 10:16
